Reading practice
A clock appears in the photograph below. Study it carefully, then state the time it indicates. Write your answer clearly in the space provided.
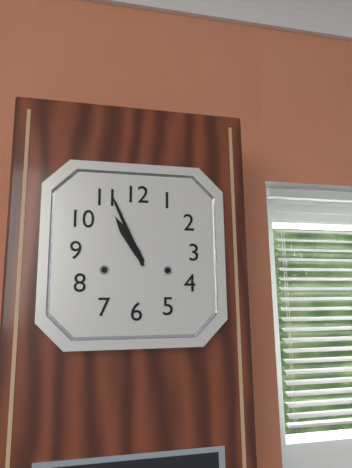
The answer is 10:56
